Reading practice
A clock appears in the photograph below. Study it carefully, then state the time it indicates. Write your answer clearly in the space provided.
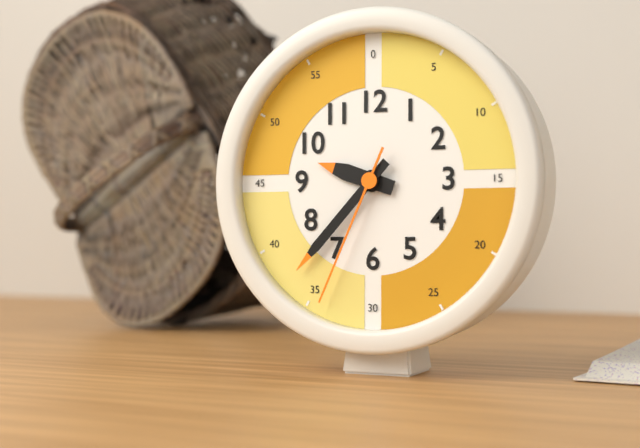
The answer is 9:37:34
